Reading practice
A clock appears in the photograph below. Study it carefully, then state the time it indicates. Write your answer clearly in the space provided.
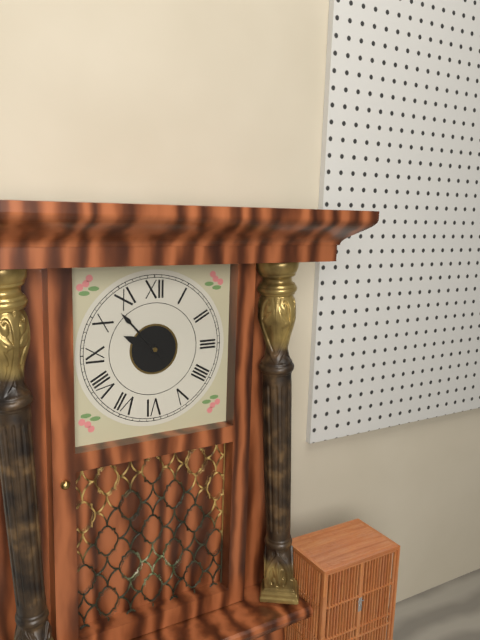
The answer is 9:53
